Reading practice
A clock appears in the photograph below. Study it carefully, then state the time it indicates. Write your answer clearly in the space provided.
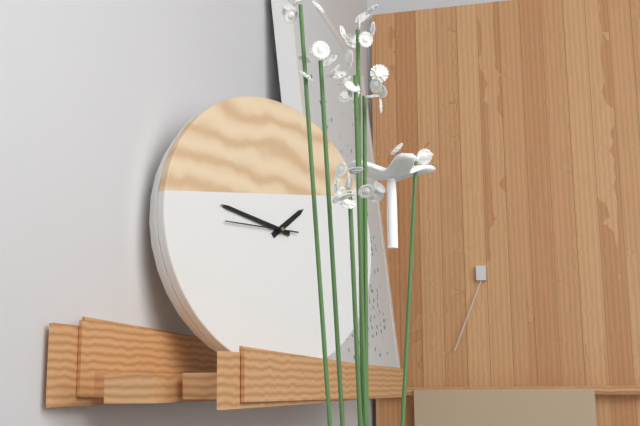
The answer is 1:47:45
